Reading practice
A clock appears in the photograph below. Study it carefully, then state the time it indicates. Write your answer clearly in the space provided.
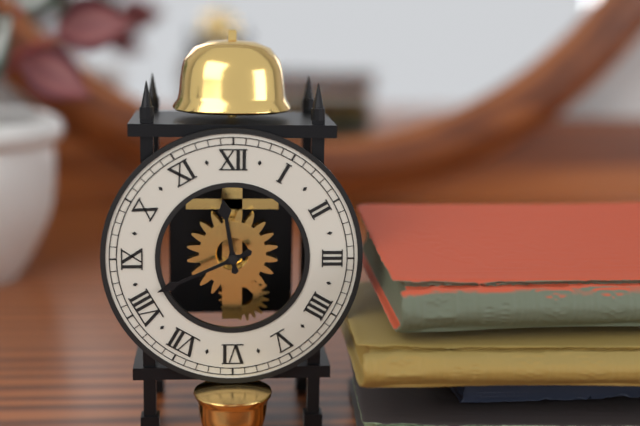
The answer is 11:41
